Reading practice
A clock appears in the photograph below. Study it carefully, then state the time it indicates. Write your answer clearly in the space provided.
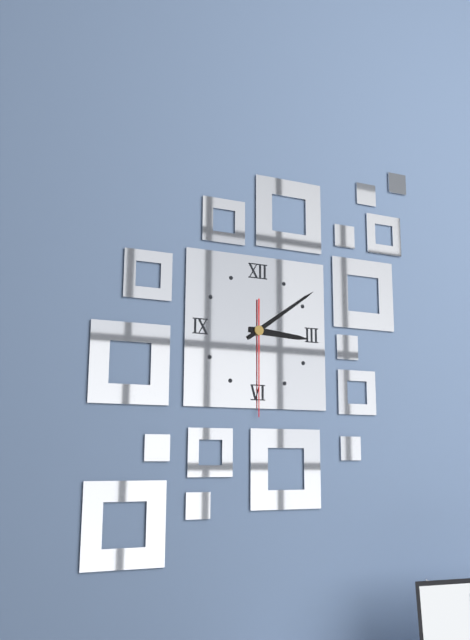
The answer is 3:09:30
